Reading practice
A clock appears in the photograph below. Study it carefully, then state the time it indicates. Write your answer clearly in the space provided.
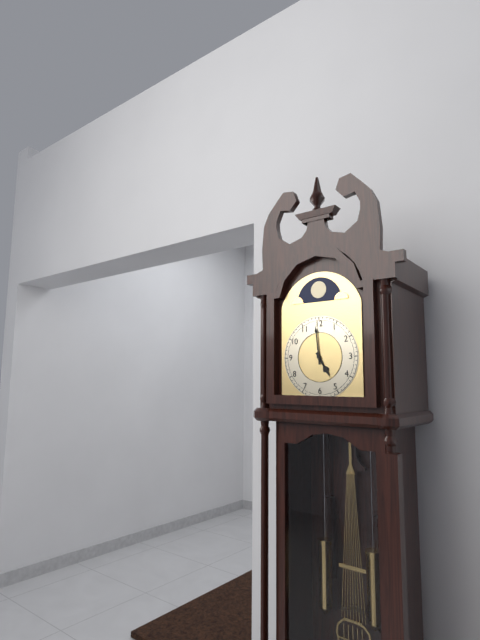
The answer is 4:59
